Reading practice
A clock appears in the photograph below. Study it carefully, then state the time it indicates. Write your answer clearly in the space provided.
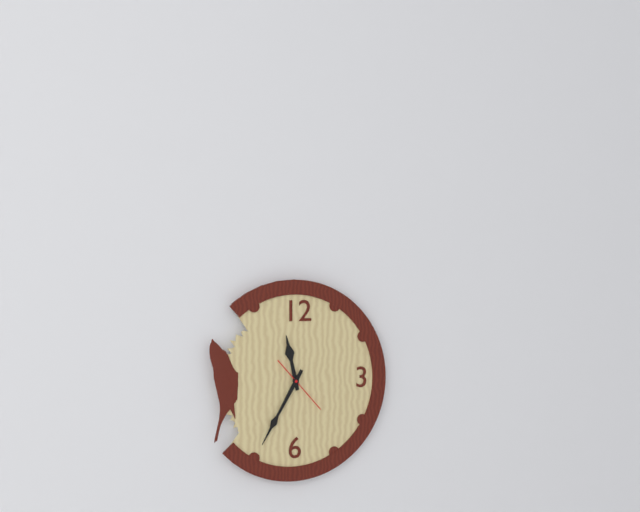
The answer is 11:35
